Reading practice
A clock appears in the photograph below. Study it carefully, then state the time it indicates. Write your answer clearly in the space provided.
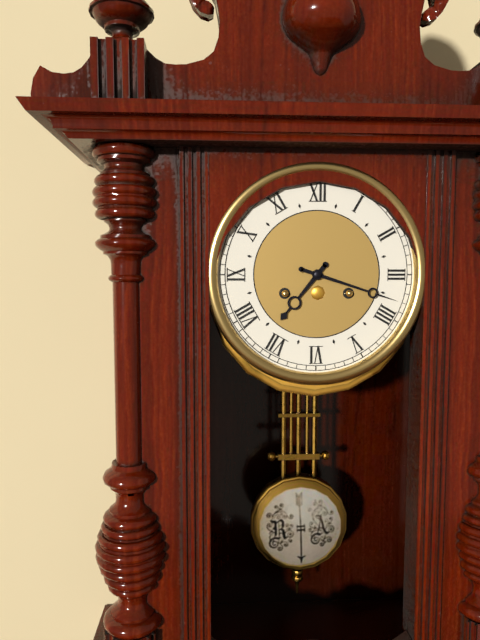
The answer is 7:18
